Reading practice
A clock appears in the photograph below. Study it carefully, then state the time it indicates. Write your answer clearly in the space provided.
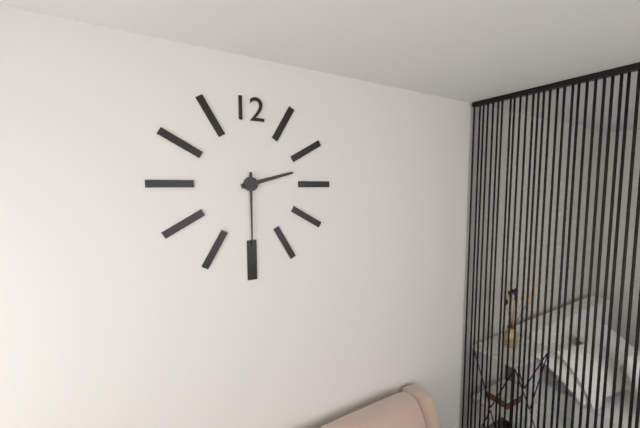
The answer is 2:30
